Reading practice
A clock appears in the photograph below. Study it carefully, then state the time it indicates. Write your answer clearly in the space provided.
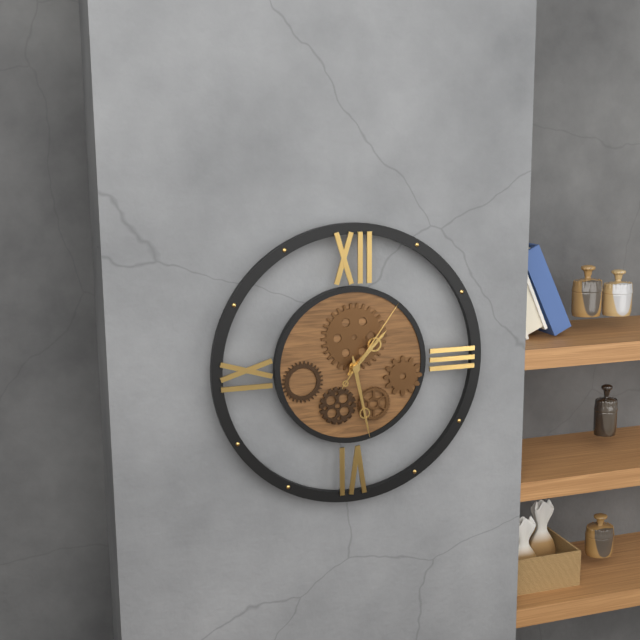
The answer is 1:28:06
